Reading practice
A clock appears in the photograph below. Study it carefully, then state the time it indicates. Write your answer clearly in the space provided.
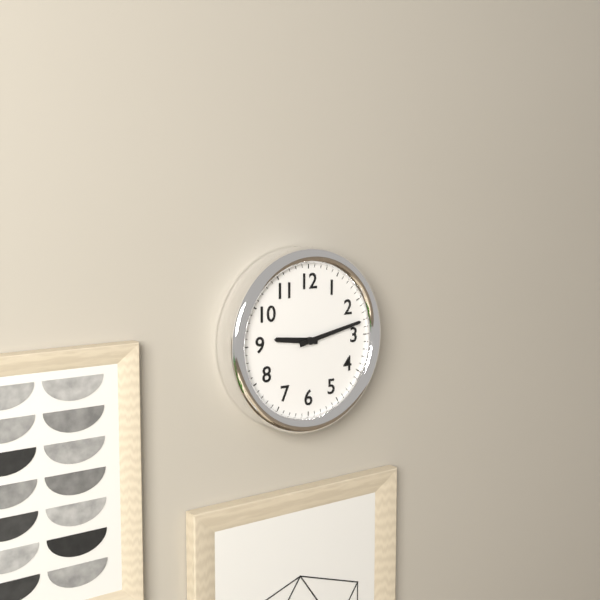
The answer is 9:13
